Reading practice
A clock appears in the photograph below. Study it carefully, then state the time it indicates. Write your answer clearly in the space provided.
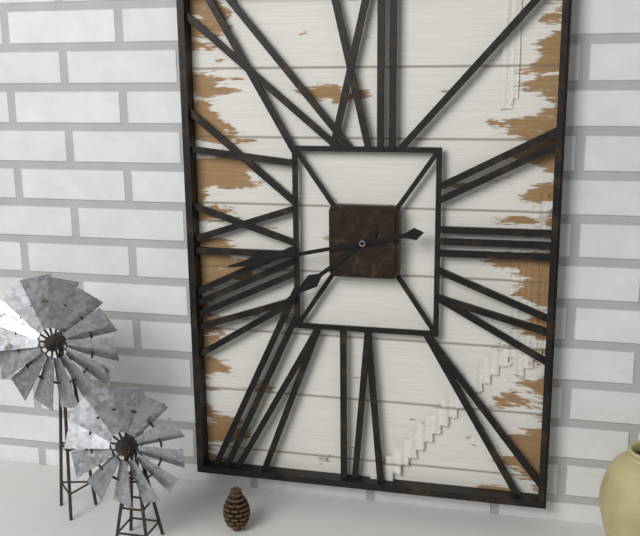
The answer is 7:43
